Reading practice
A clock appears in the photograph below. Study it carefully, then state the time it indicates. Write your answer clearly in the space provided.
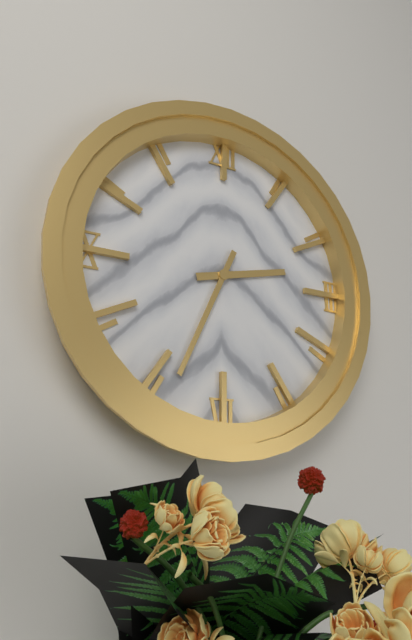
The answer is 2:34
